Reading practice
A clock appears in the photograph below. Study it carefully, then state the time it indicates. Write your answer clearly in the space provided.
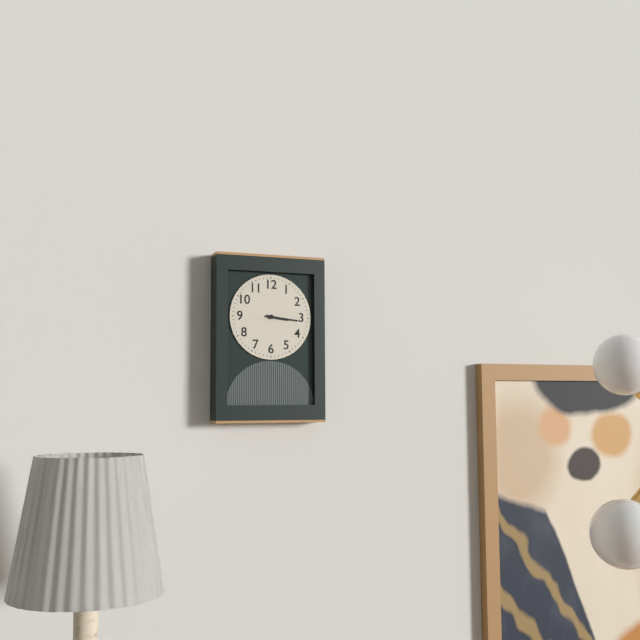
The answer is 3:16
